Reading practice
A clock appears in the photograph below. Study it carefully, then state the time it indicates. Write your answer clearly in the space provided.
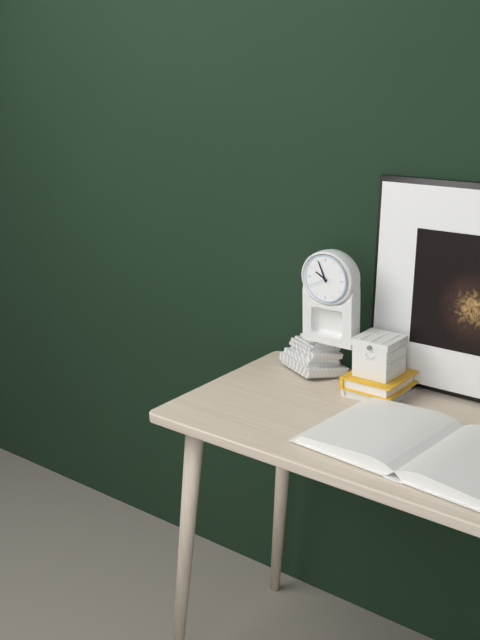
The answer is 9:56
